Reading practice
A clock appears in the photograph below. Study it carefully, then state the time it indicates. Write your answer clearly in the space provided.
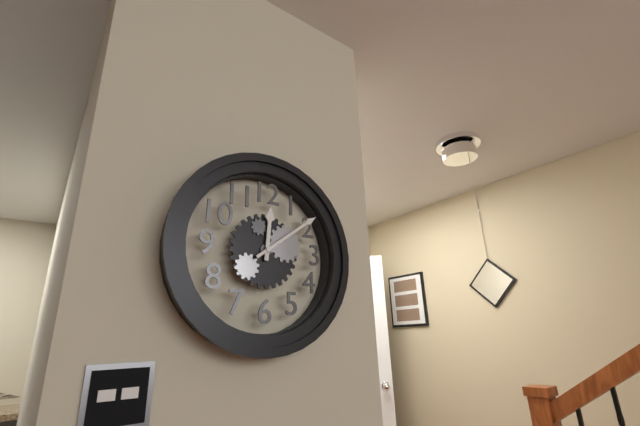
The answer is 12:09
